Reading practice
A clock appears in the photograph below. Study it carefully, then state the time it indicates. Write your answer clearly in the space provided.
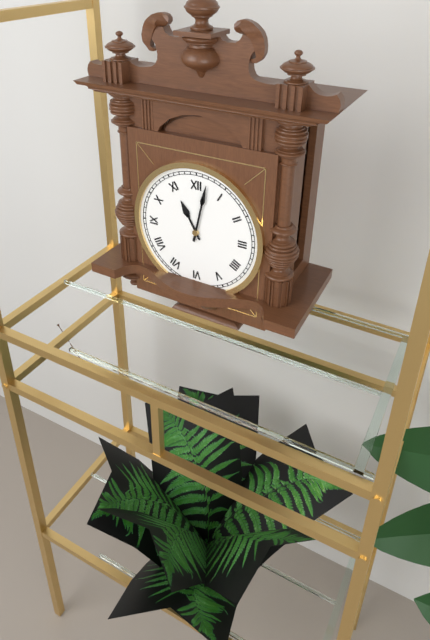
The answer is 11:02
